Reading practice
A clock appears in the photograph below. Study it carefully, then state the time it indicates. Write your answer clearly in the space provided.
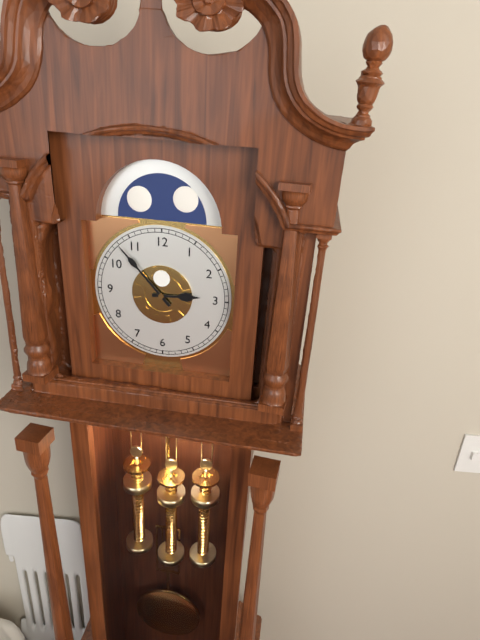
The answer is 2:53
